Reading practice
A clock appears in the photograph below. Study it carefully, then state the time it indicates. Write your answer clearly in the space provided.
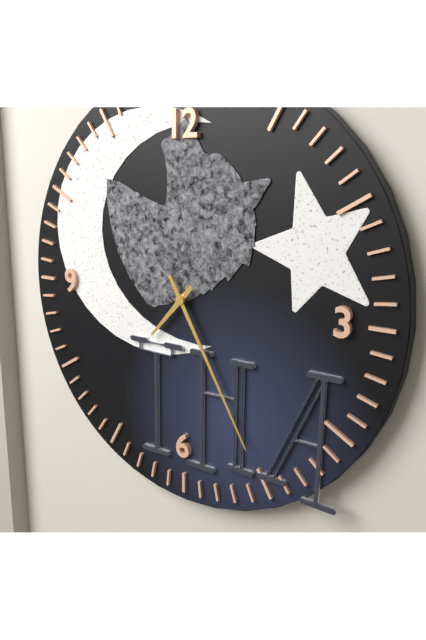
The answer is 7:25
